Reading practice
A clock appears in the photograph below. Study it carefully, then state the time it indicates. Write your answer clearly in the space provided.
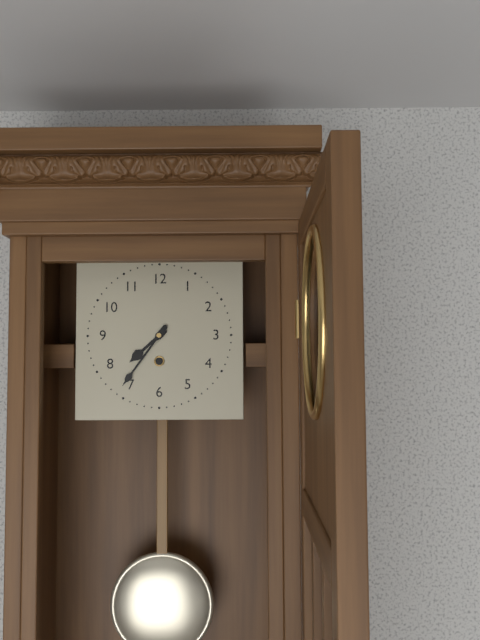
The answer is 7:36
